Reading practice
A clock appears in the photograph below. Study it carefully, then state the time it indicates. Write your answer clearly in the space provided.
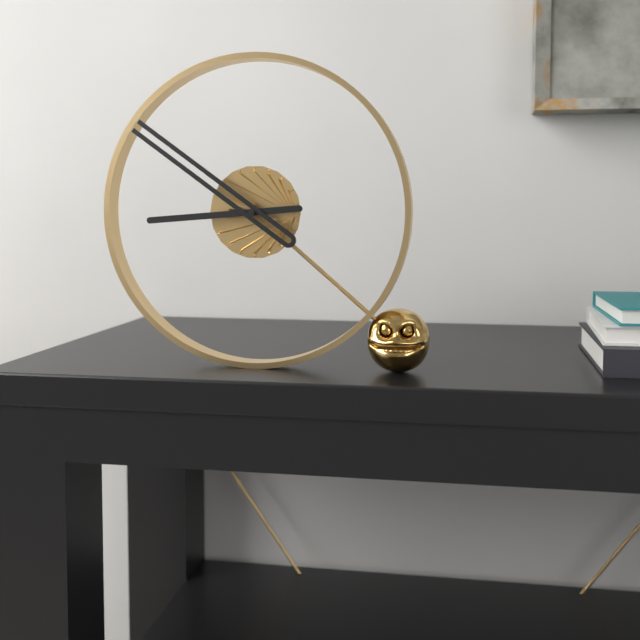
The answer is 8:51
